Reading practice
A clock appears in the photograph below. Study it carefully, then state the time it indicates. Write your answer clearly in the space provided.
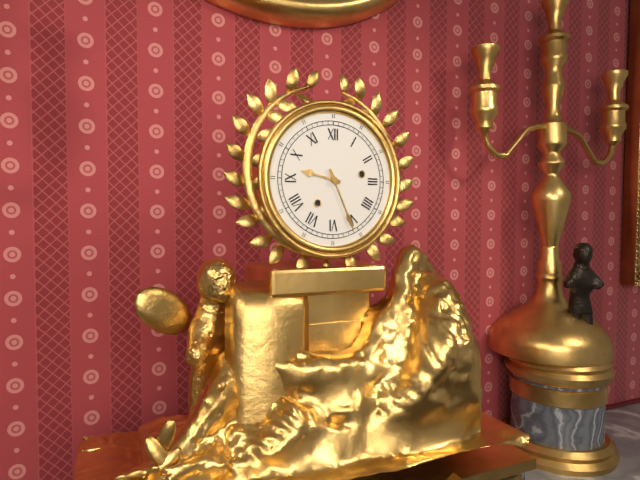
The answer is 9:26
